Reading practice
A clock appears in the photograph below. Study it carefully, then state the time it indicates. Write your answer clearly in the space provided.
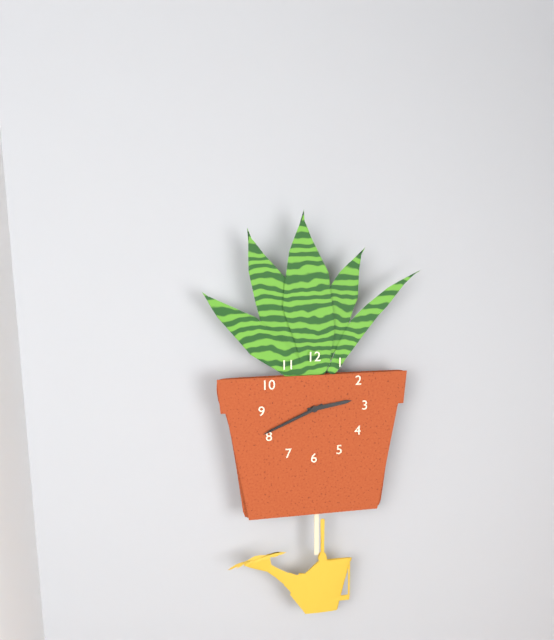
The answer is 2:41
